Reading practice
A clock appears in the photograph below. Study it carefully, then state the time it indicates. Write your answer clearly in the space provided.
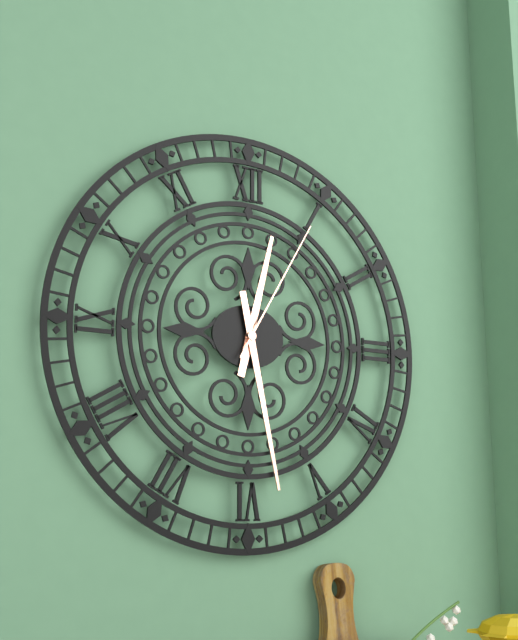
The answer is 12:28:05
